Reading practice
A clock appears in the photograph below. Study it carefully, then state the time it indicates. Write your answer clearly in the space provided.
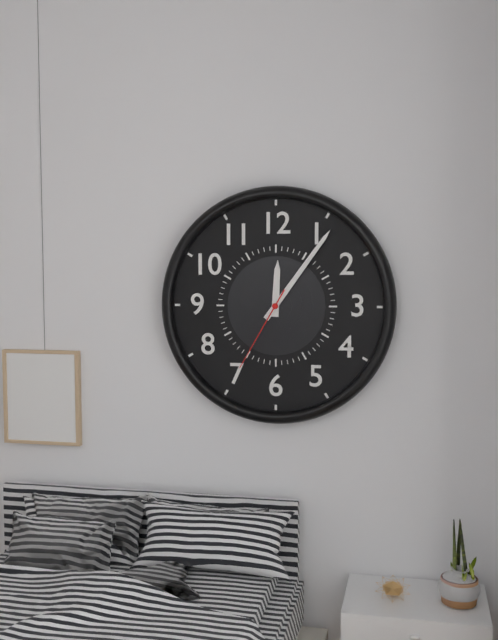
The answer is 12:06:35
